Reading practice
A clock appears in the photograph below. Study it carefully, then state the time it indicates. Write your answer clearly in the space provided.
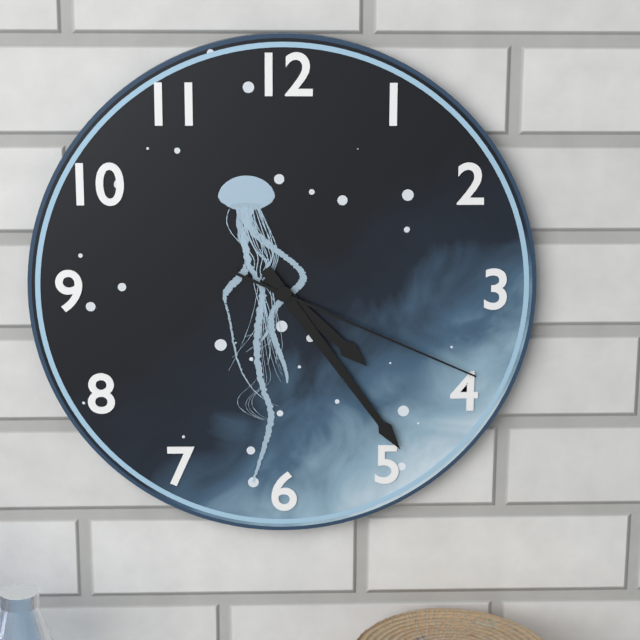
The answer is 4:24:19
